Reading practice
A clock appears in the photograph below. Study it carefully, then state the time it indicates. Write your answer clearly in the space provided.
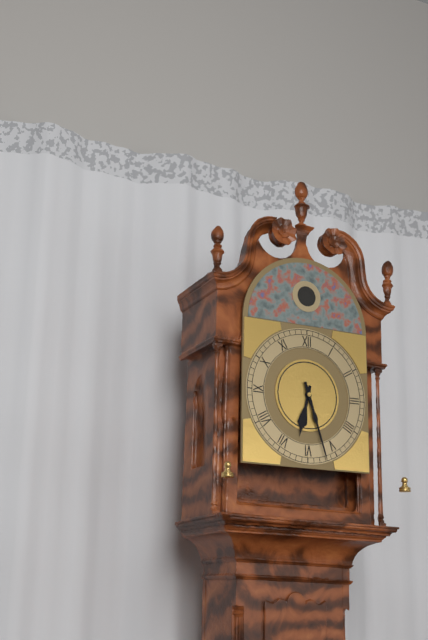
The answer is 6:27
